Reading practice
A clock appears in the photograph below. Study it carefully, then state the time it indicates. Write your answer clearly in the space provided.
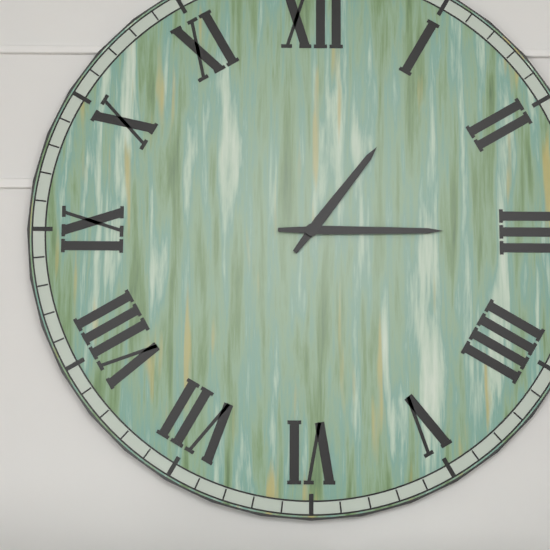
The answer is 1:15
